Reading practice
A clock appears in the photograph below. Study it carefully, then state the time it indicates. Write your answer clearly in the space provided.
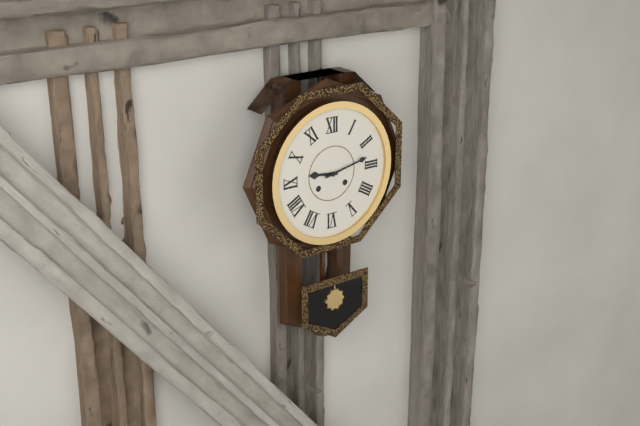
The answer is 9:13
